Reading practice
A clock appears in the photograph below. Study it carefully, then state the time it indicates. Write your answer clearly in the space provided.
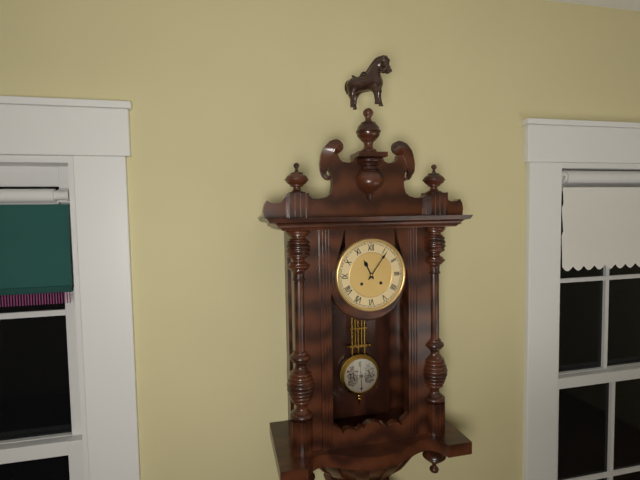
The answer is 11:06
